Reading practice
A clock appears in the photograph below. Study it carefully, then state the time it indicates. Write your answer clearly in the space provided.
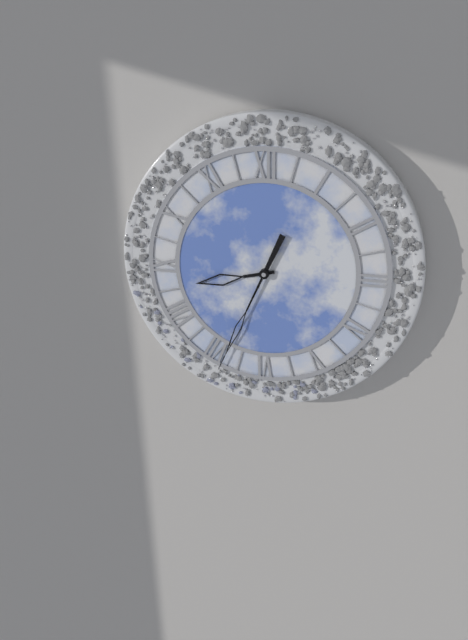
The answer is 8:34
